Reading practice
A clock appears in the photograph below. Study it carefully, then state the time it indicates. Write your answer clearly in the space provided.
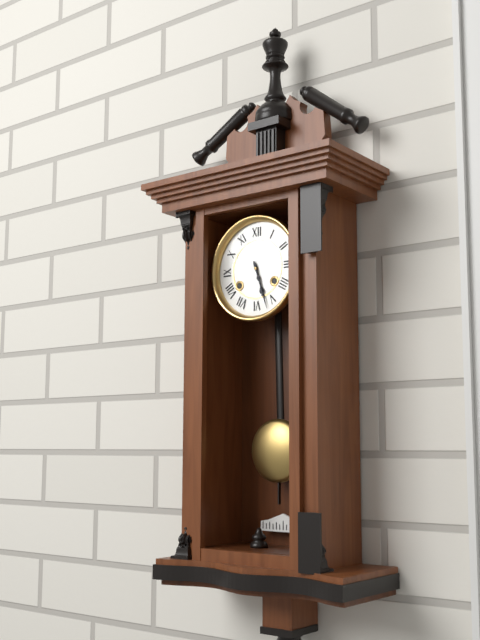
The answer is 5:27
